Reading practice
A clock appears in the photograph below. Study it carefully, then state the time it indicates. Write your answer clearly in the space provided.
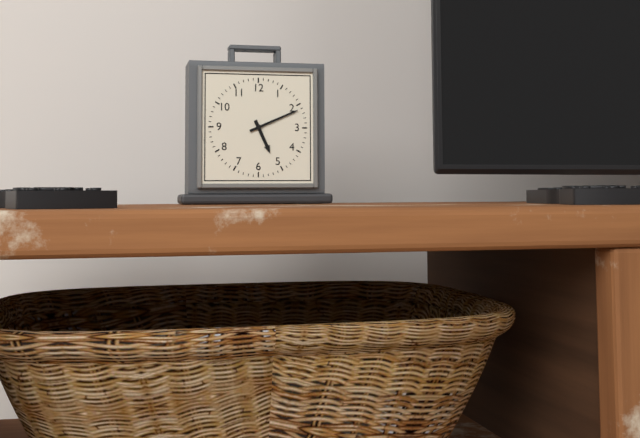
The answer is 5:11
